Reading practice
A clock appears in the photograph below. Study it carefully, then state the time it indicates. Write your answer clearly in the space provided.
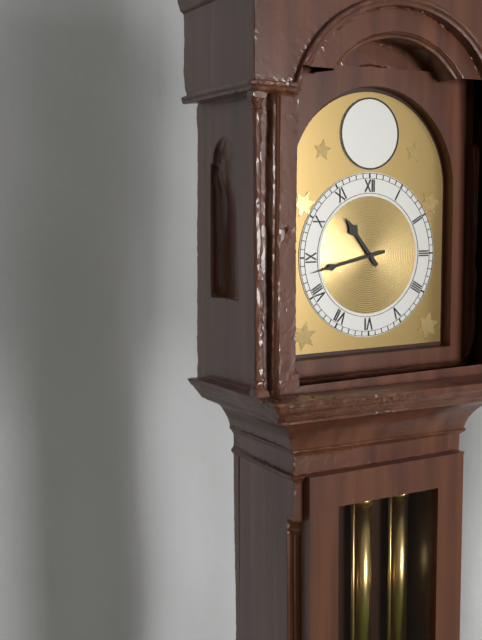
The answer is 10:43
